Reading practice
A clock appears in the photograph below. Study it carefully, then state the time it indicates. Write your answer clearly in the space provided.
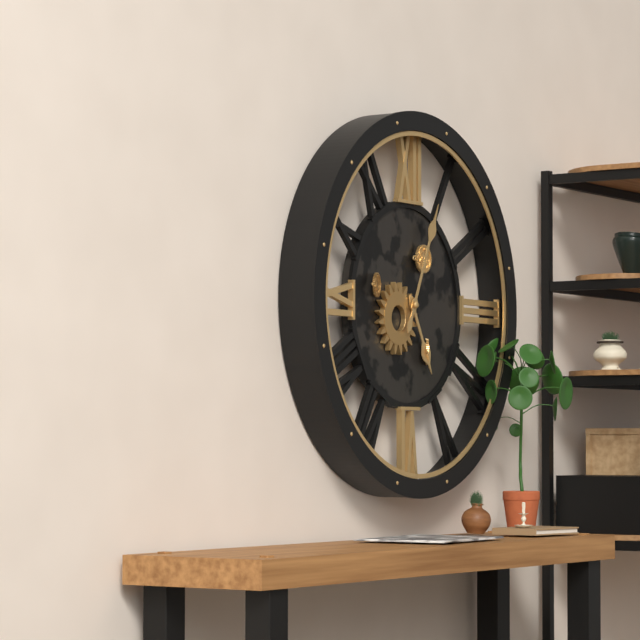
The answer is 5:04
